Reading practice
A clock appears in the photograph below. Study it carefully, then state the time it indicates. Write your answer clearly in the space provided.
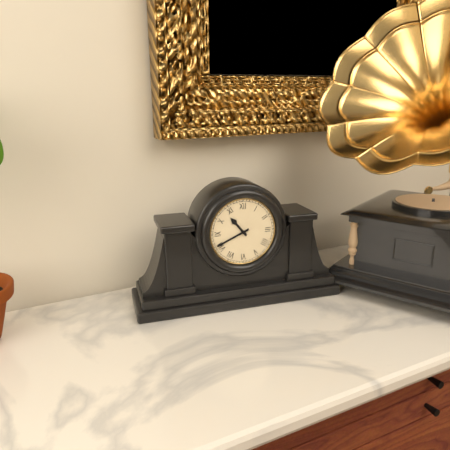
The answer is 10:41
